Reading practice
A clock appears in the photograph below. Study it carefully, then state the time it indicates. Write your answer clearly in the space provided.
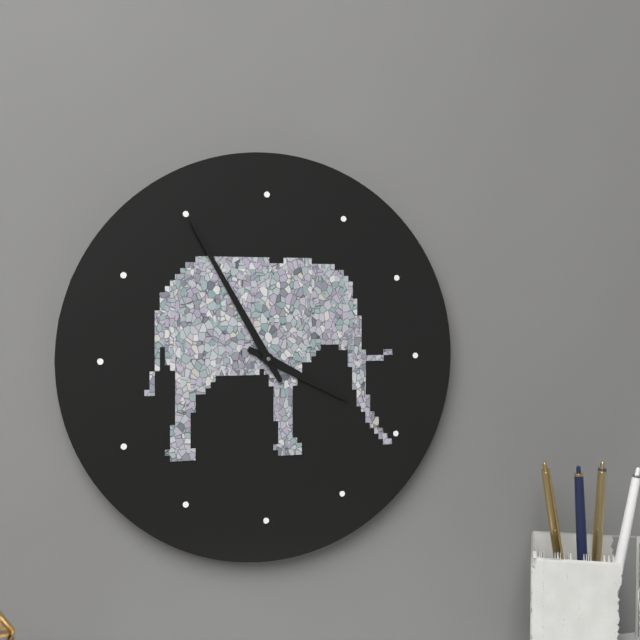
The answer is 3:55
